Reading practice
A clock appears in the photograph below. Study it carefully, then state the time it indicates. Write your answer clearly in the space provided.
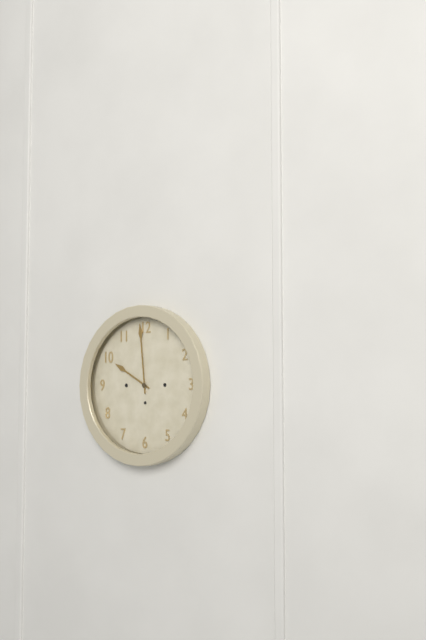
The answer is 9:59
